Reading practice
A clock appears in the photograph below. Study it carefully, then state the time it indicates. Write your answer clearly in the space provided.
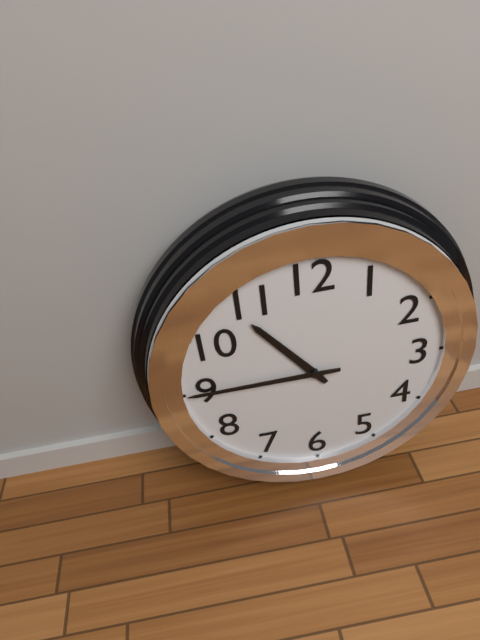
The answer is 10:45
